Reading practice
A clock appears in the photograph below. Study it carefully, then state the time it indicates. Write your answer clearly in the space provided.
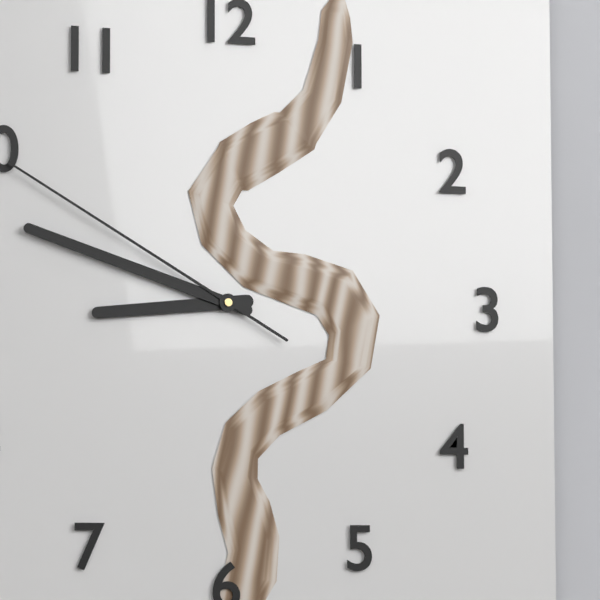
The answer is 8:48:50
